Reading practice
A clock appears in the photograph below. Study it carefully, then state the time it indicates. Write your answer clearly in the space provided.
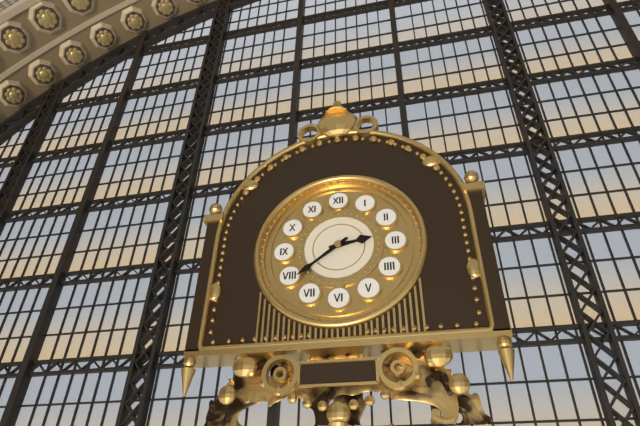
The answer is 2:39
